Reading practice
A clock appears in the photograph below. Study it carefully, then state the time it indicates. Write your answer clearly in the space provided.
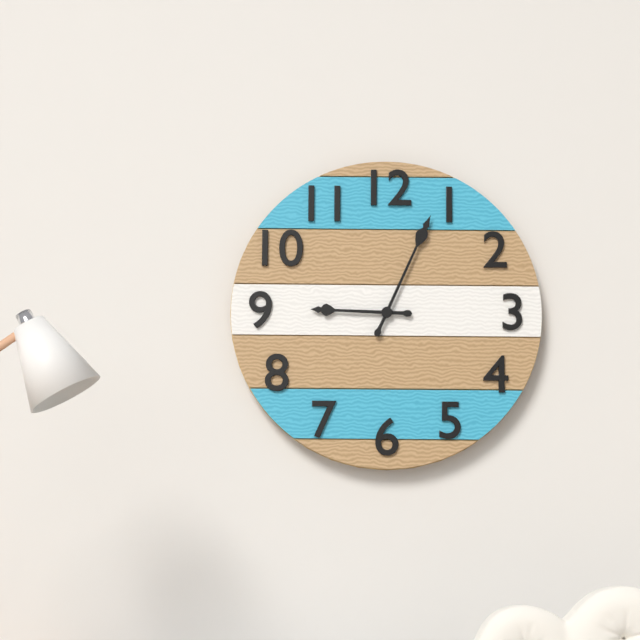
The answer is 9:04
